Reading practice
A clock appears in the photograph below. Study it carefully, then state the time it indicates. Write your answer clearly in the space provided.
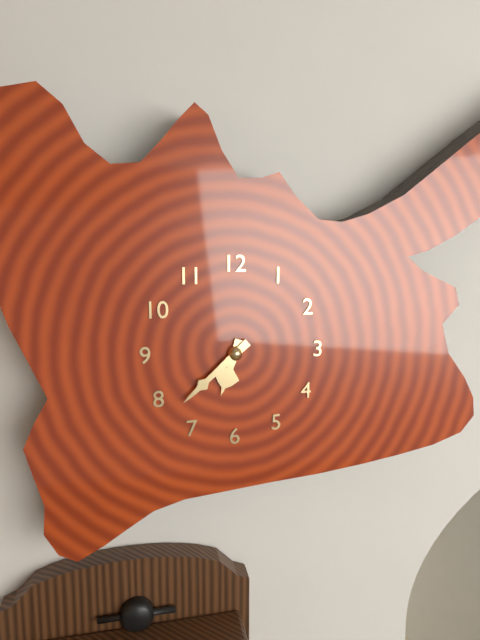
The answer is 6:38
